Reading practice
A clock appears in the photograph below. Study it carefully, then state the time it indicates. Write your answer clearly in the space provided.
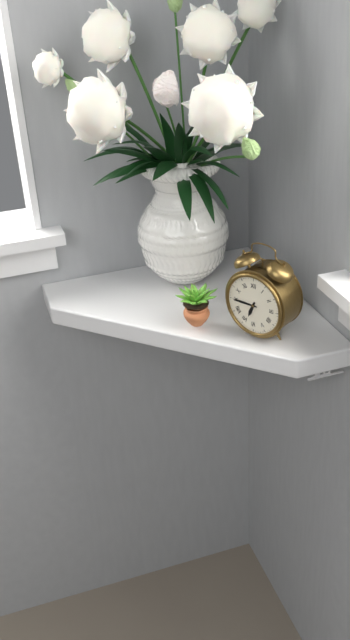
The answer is 6:45
